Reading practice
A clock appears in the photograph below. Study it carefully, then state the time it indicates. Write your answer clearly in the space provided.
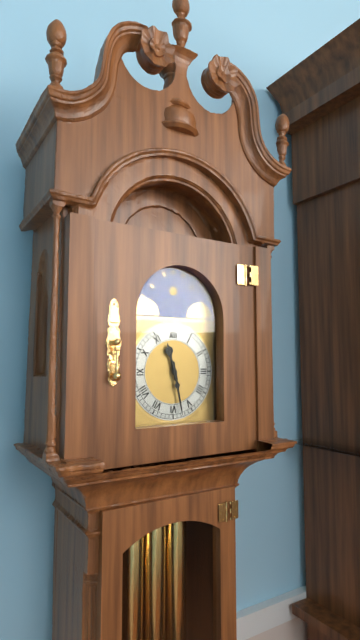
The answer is 11:28
